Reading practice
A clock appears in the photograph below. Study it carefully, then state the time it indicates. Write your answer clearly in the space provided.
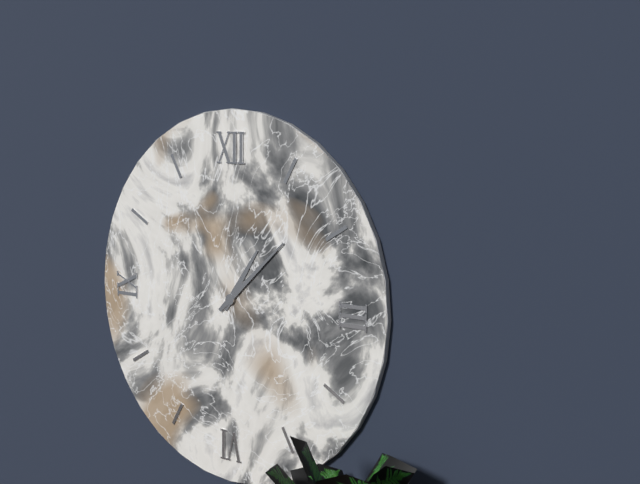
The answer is 1:08
